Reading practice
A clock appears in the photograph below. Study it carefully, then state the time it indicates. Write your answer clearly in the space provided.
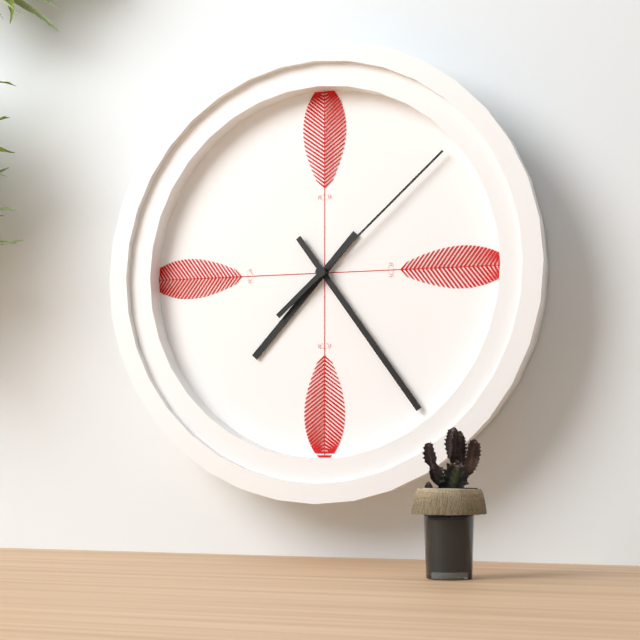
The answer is 7:24:08
